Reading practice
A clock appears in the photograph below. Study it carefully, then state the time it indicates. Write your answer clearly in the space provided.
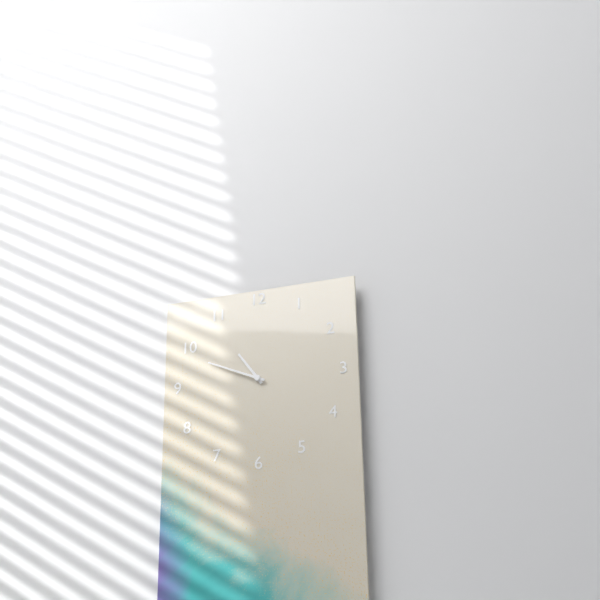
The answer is 10:49
